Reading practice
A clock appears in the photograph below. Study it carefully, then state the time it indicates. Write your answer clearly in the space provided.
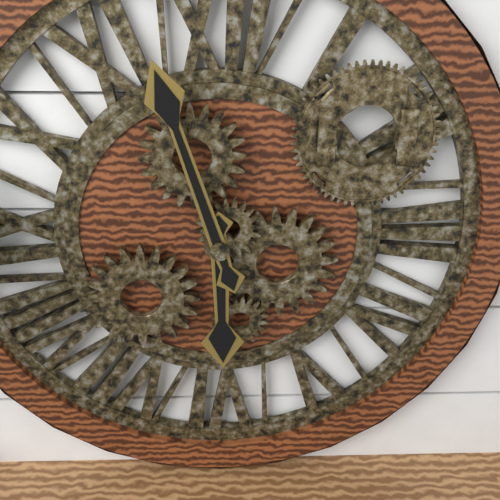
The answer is 5:57
